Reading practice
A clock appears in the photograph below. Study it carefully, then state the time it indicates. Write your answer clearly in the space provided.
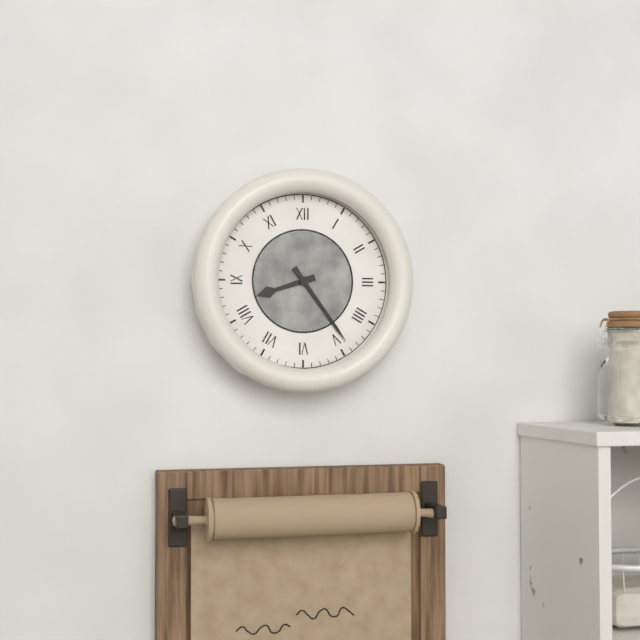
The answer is 8:24
